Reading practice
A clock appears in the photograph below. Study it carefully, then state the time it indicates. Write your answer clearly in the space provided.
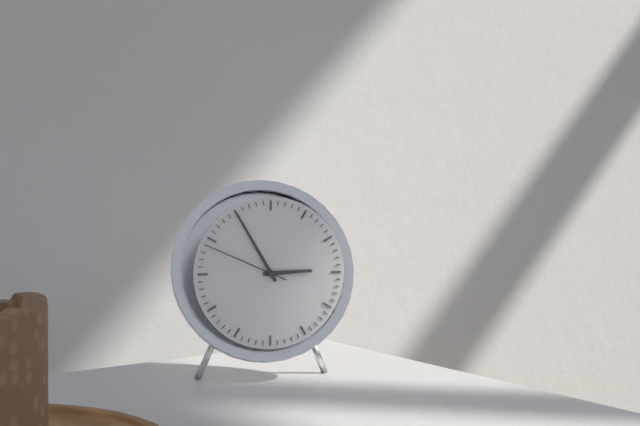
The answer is 2:55:49
